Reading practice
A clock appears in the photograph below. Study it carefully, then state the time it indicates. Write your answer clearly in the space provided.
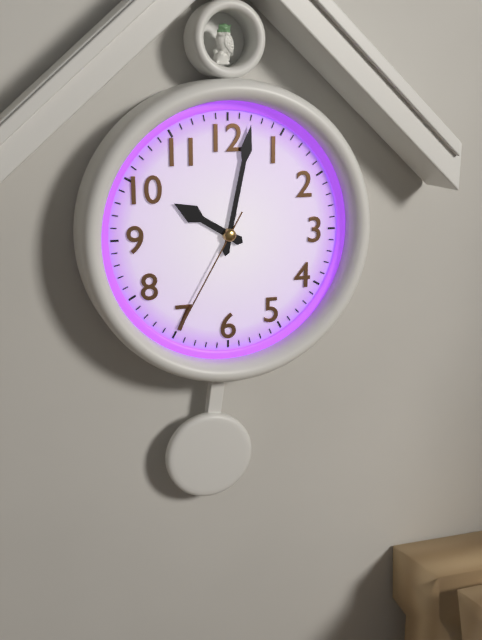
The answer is 10:02:35
